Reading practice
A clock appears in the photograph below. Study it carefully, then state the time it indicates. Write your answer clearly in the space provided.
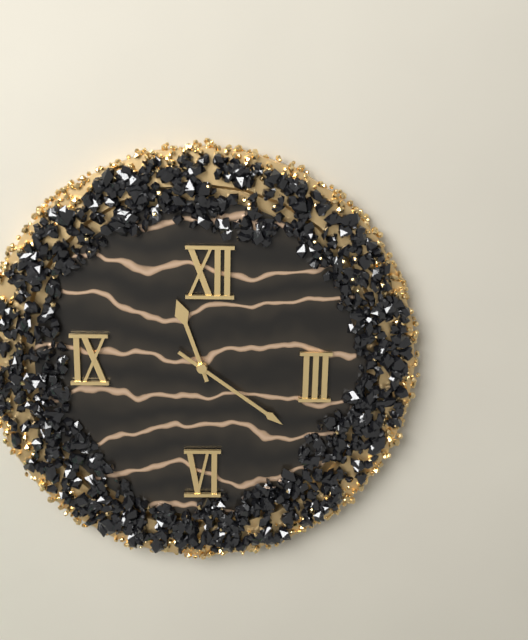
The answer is 11:21
